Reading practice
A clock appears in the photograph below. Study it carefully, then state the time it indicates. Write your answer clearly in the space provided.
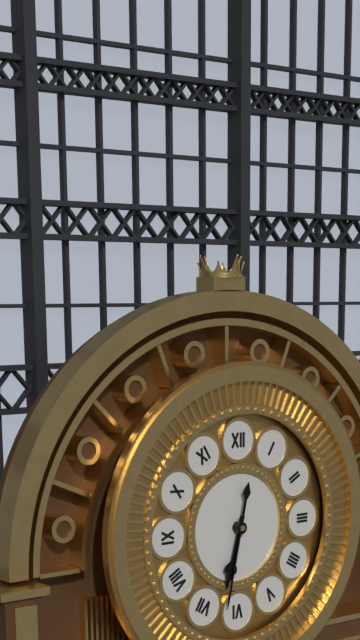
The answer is 6:32
